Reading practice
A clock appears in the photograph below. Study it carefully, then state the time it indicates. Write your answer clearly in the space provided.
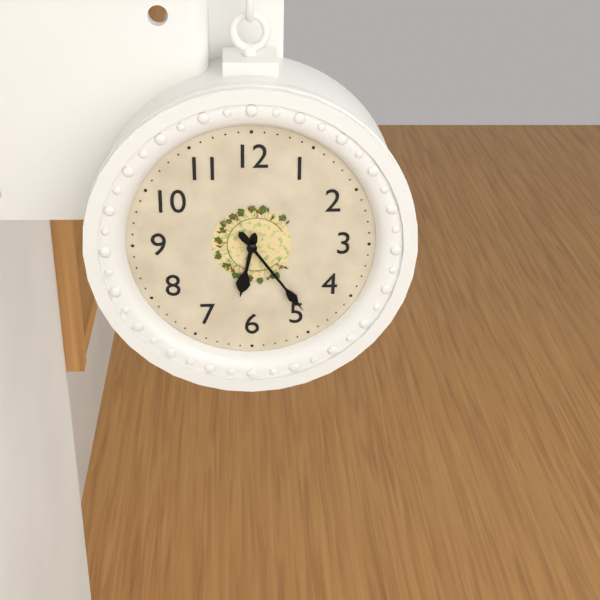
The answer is 6:24
